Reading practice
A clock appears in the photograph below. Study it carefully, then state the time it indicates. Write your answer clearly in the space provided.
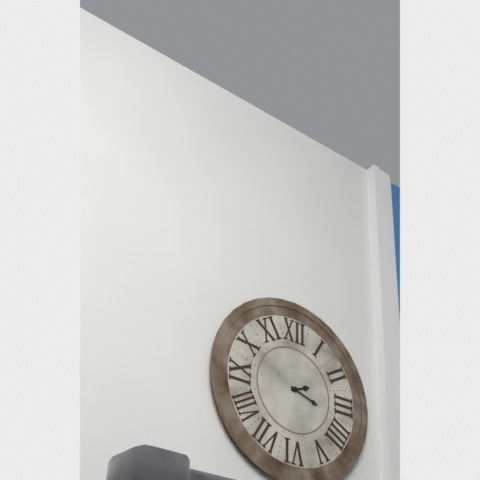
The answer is 2:18
